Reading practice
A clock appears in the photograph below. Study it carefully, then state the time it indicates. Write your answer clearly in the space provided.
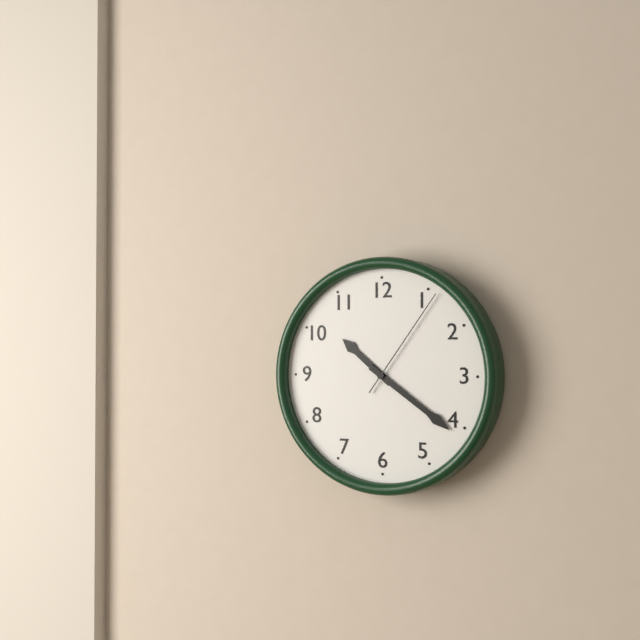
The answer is 10:21:06
